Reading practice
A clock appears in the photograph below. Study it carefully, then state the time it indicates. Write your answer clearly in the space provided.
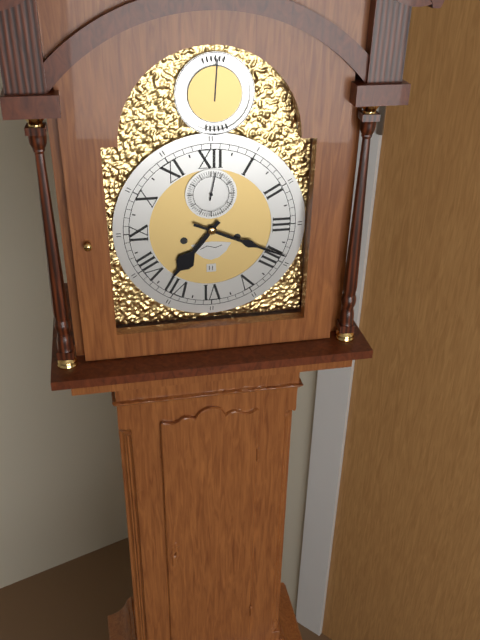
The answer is 7:19
